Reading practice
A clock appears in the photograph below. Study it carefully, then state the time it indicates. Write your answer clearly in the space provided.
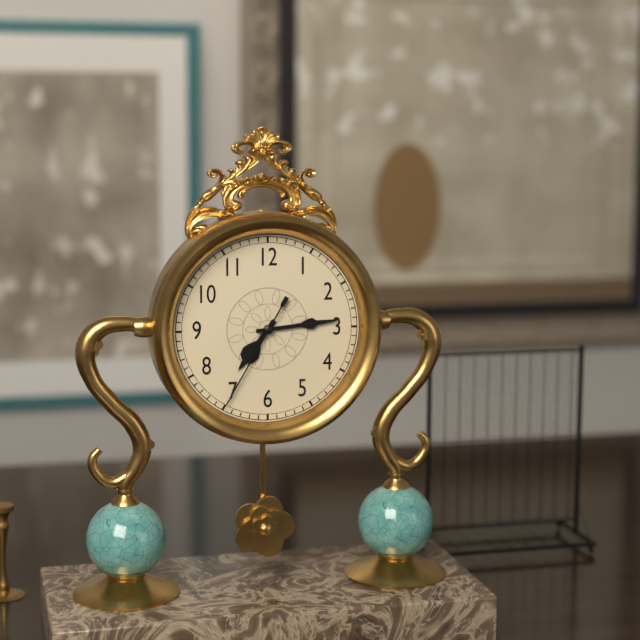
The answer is 7:14:35
